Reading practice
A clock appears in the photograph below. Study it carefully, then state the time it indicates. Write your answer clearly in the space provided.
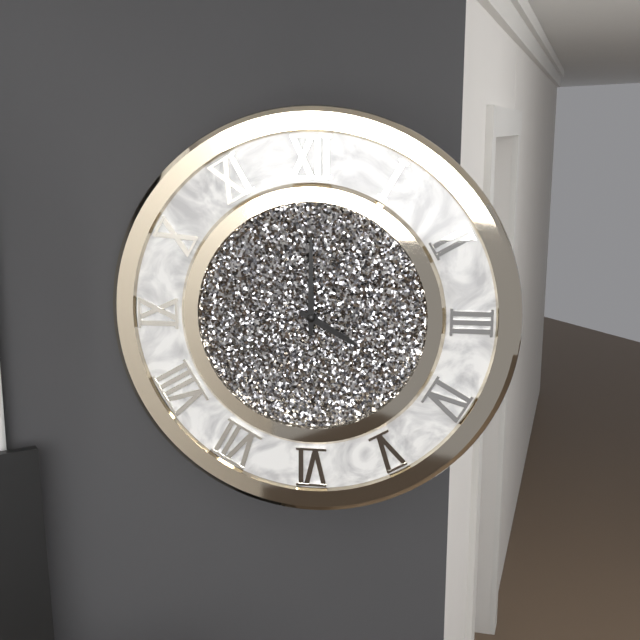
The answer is 4:00
